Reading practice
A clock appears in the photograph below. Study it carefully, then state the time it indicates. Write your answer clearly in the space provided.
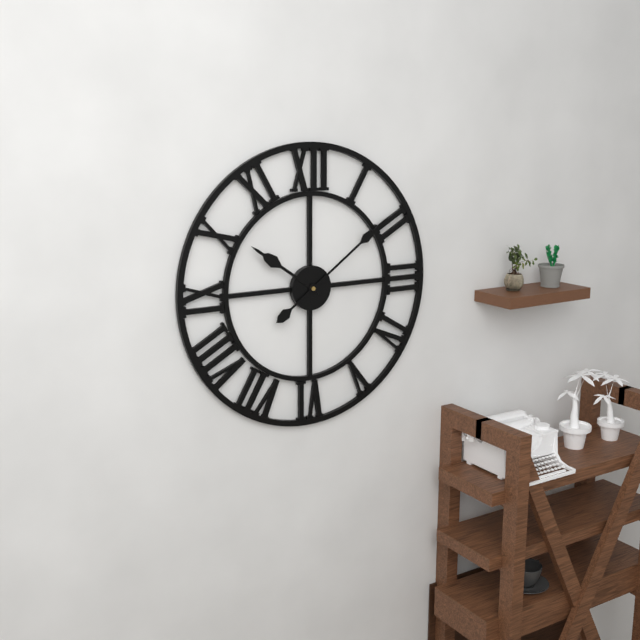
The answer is 10:09
